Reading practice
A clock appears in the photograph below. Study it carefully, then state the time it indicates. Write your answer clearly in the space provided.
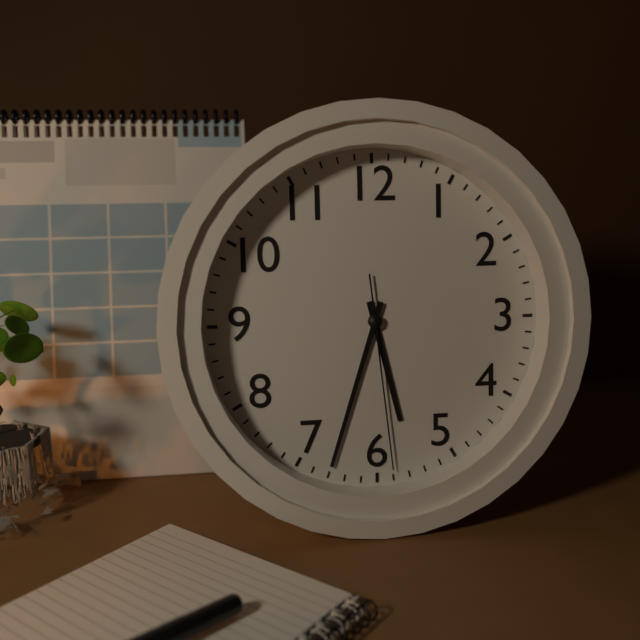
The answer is 5:33:29
